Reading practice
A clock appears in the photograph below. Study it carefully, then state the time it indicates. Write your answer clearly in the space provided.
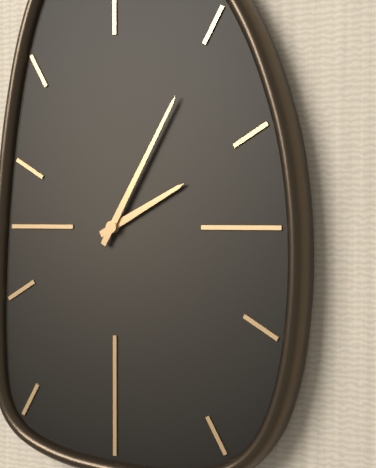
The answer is 2:05
